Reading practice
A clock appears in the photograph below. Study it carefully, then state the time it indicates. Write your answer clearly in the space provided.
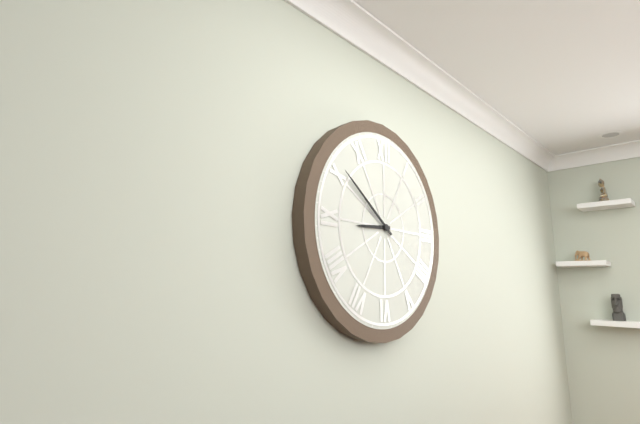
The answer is 8:51
